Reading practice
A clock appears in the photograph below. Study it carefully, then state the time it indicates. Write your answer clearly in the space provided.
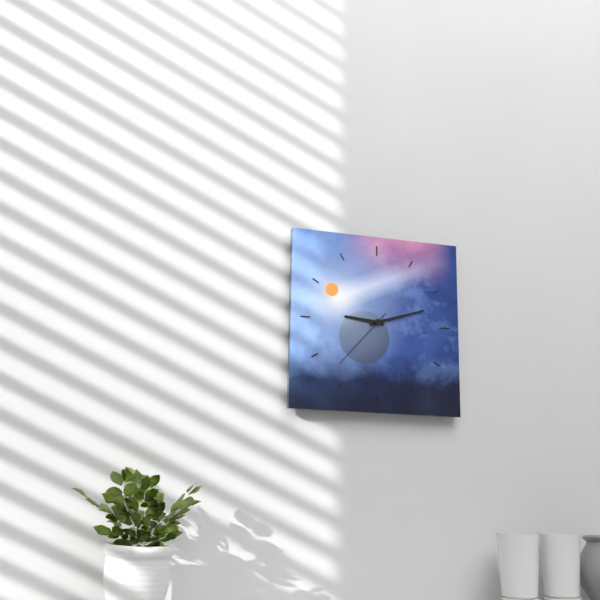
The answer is 9:12:37
